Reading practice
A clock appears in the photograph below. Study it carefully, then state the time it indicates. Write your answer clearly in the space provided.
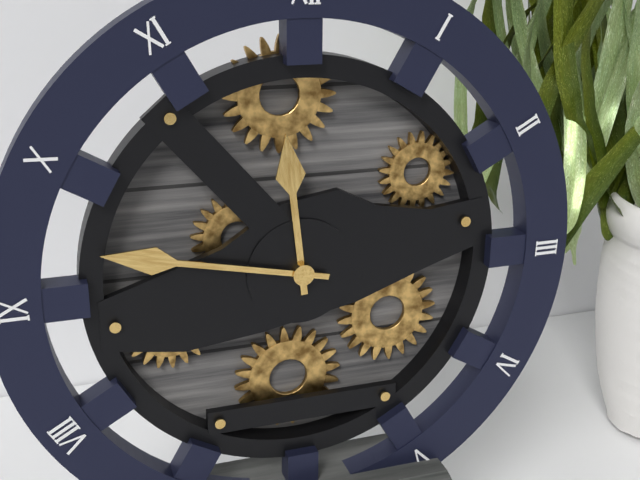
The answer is 11:47
